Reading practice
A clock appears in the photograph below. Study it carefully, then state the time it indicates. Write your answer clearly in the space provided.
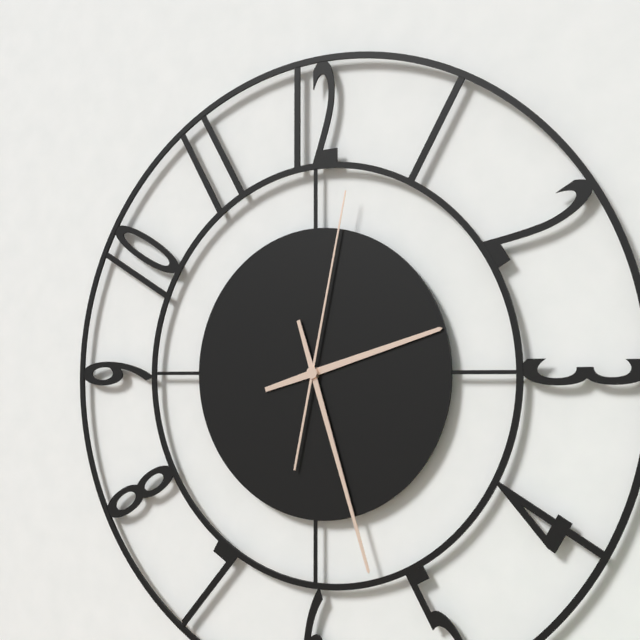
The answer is 2:27:02
